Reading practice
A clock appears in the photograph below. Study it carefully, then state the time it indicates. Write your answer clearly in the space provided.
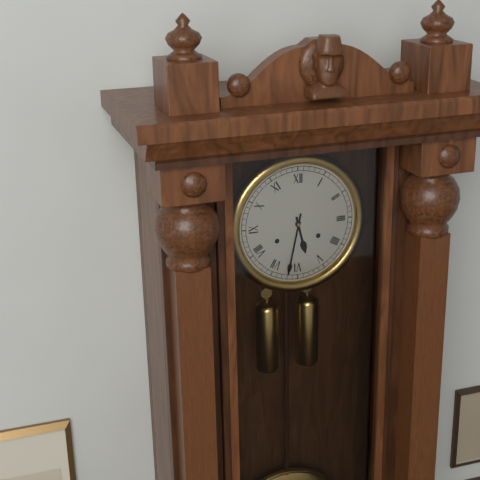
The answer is 5:32
